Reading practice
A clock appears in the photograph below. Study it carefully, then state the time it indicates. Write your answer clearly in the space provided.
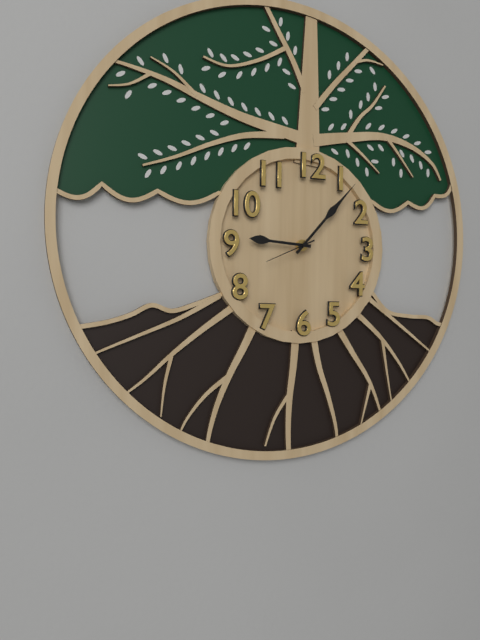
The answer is 9:07:41
